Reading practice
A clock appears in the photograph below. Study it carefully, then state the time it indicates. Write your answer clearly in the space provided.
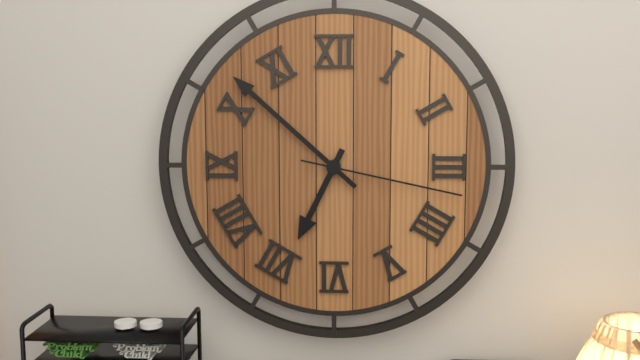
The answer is 6:52:17
